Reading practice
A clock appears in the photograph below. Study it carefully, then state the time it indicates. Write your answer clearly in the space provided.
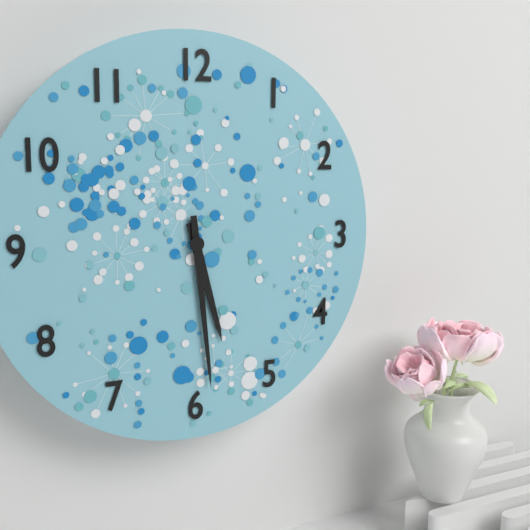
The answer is 5:29
